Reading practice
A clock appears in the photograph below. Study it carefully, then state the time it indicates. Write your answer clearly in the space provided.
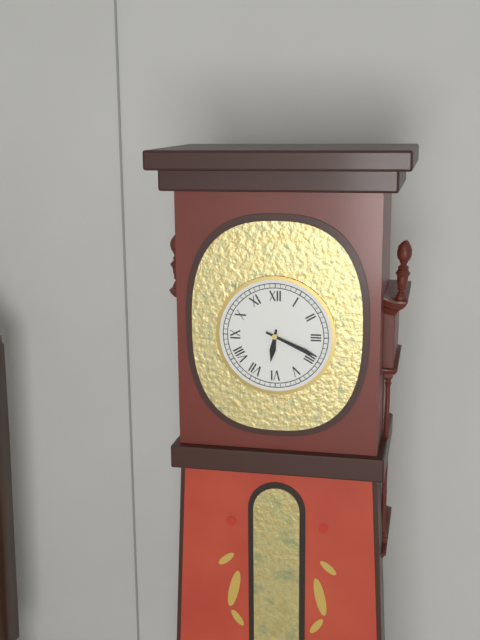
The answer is 6:19
